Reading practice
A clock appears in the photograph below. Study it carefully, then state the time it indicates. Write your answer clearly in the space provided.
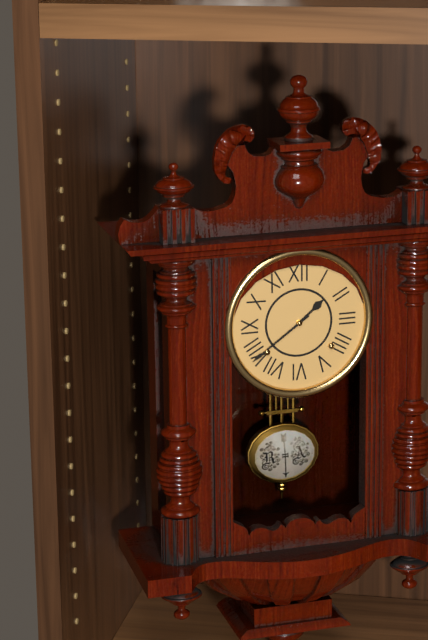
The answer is 1:39
